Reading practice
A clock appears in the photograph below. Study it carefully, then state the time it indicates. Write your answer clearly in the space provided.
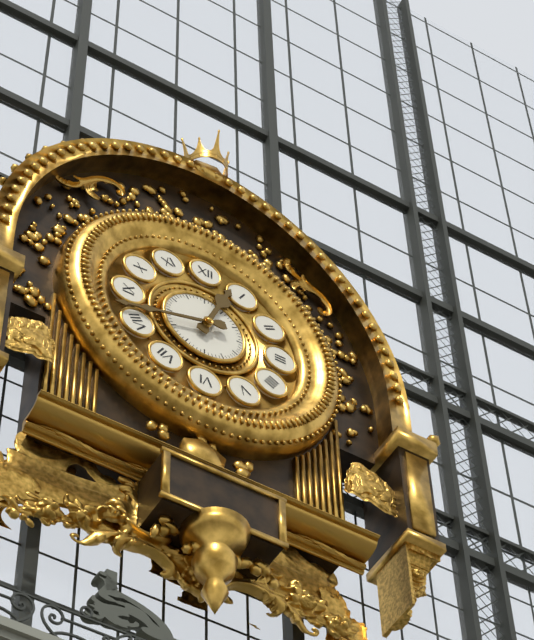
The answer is 12:42
